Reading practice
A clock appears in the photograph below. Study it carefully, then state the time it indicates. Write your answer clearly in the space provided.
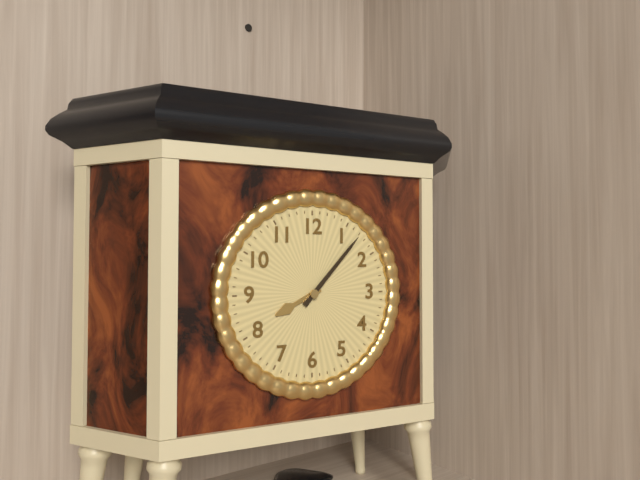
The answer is 8:07
